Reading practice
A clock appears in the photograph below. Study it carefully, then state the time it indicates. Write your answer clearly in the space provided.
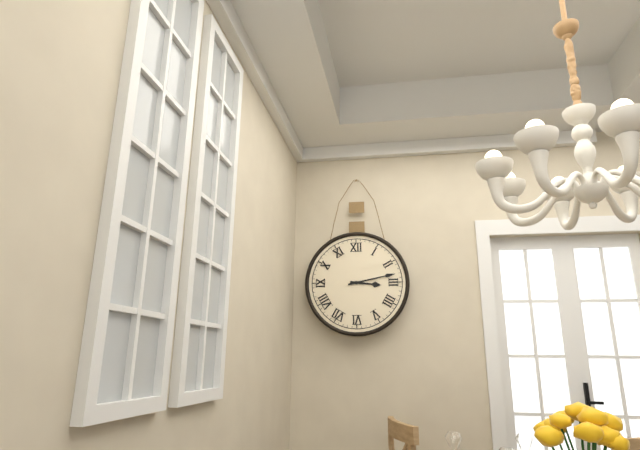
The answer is 3:13
